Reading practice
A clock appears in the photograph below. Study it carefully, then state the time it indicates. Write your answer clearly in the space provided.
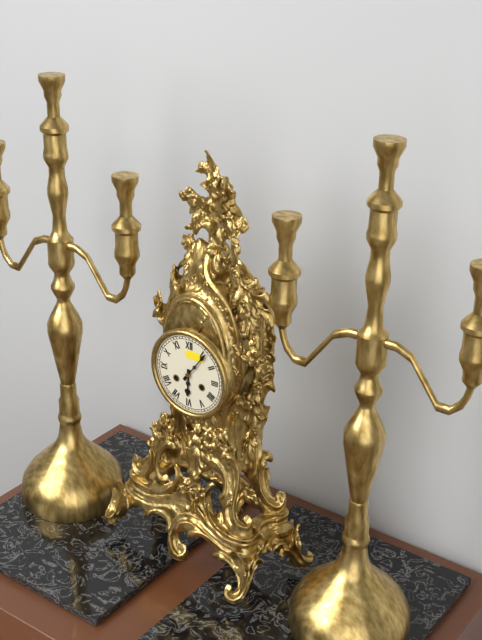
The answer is 6:06
